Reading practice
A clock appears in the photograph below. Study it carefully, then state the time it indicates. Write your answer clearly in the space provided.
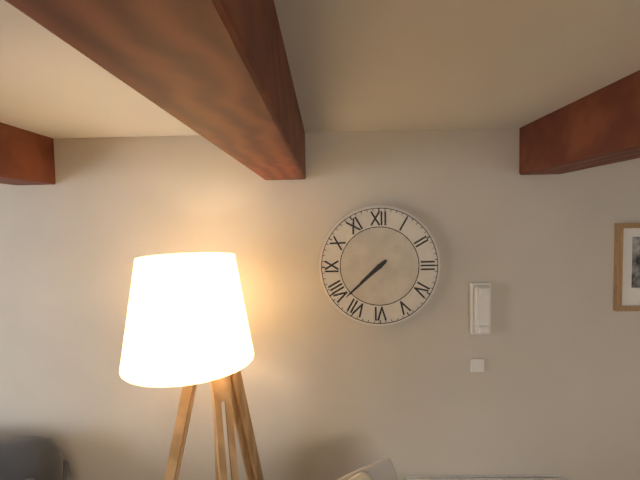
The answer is 7:38
